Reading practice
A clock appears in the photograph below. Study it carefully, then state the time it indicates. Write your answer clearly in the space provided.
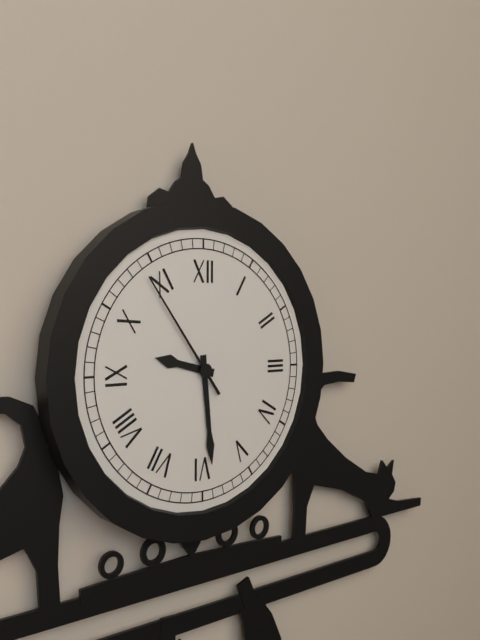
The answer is 9:29:54
